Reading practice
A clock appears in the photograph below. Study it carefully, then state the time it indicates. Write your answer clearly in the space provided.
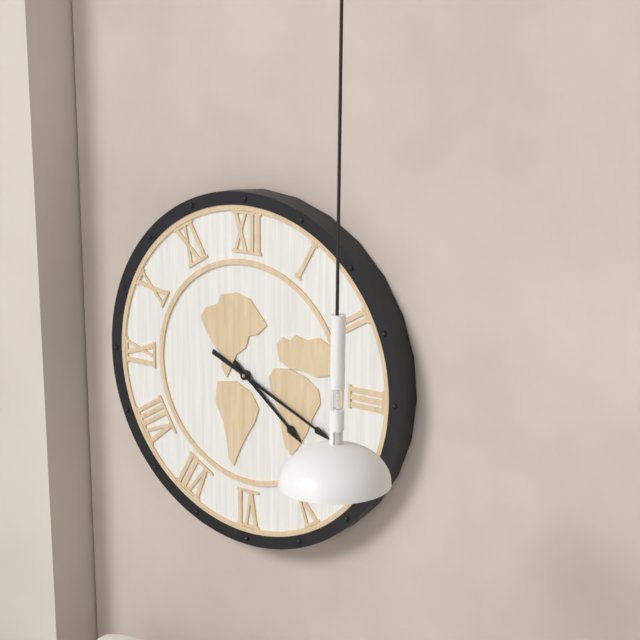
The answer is 4:19
